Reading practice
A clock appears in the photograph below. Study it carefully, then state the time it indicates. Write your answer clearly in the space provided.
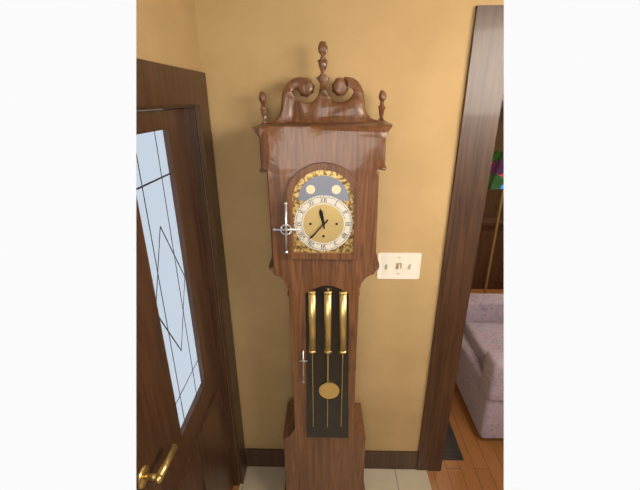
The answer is 11:37
